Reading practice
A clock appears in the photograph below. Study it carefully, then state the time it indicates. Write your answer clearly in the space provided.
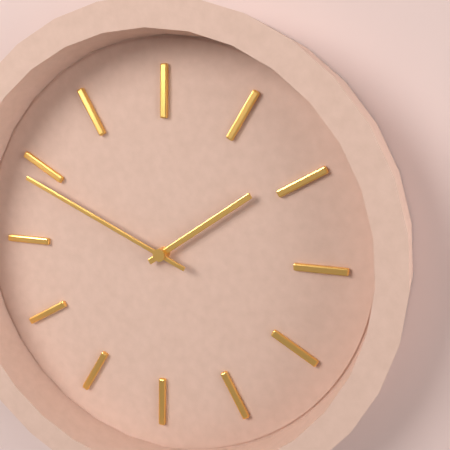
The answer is 1:49
